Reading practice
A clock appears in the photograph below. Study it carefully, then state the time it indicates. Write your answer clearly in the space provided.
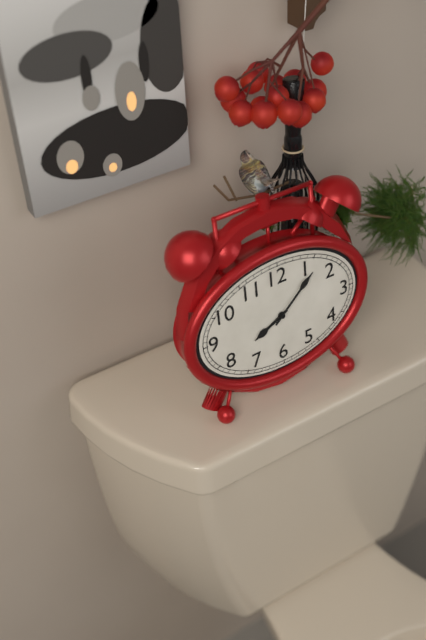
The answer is 8:08
